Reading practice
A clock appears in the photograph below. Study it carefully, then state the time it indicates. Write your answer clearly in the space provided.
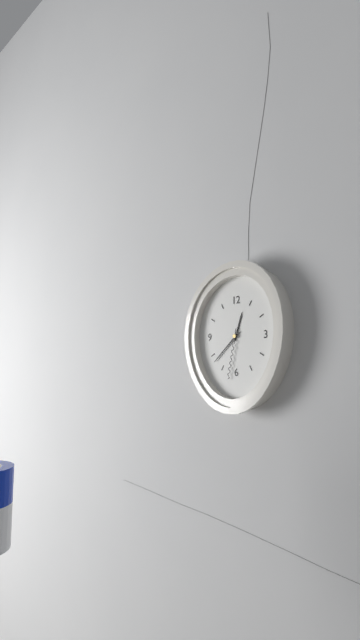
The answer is 12:38:32
